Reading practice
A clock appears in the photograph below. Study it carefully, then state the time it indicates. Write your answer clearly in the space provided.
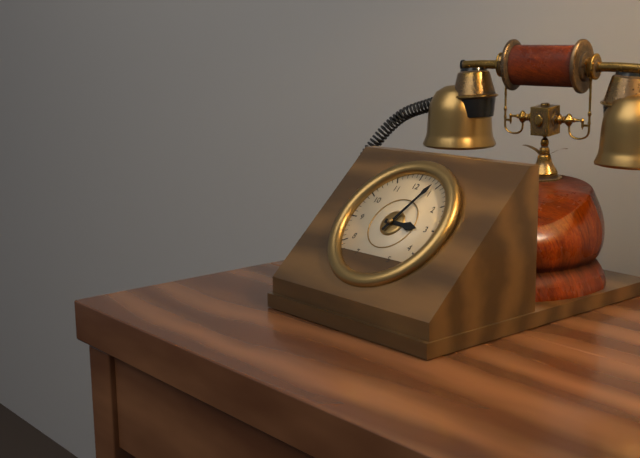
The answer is 3:04
